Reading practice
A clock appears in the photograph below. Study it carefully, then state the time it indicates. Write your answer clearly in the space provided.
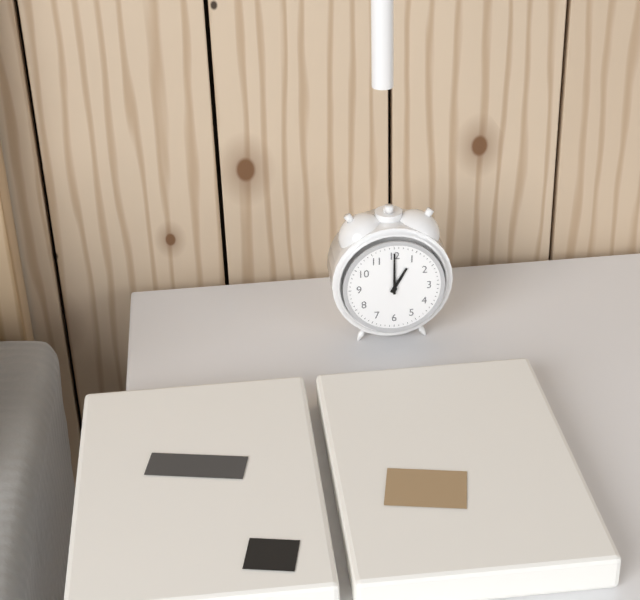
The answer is 1:00
